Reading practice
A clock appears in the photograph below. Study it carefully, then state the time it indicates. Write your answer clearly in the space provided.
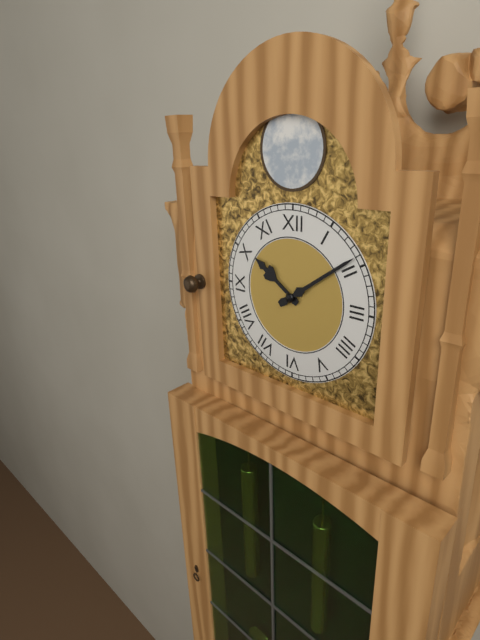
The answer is 10:09
